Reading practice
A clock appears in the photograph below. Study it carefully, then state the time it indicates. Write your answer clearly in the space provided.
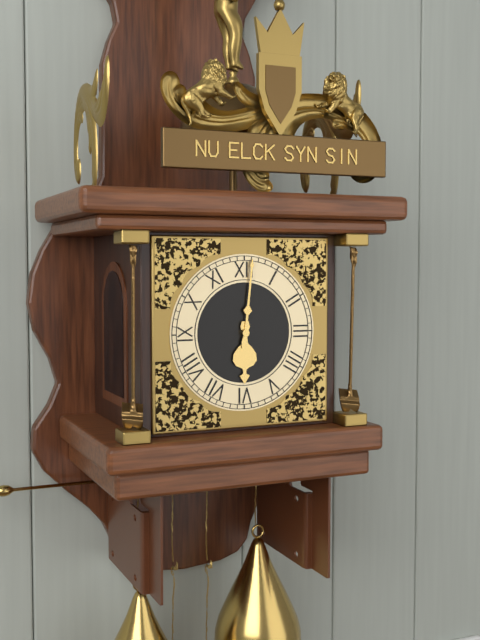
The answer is 6:01
